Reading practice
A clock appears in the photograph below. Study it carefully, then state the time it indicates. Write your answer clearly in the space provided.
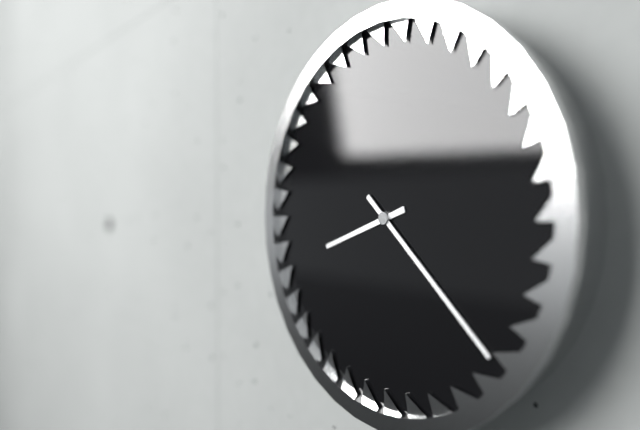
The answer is 8:22
